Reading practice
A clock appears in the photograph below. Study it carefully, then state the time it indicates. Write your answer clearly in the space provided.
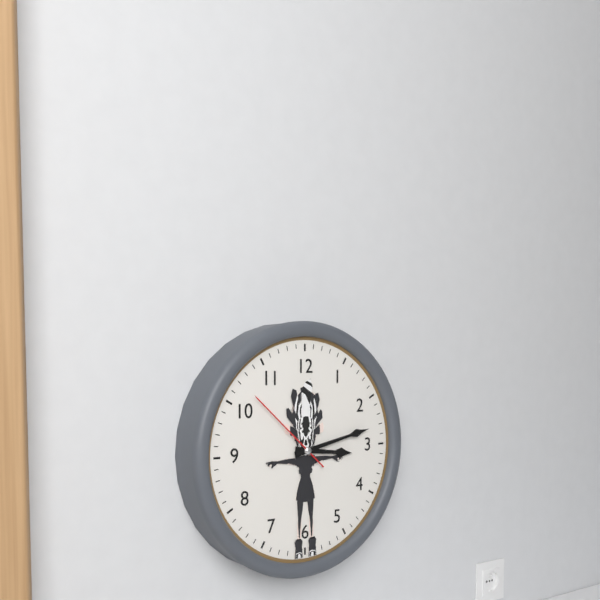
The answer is 3:13:52
